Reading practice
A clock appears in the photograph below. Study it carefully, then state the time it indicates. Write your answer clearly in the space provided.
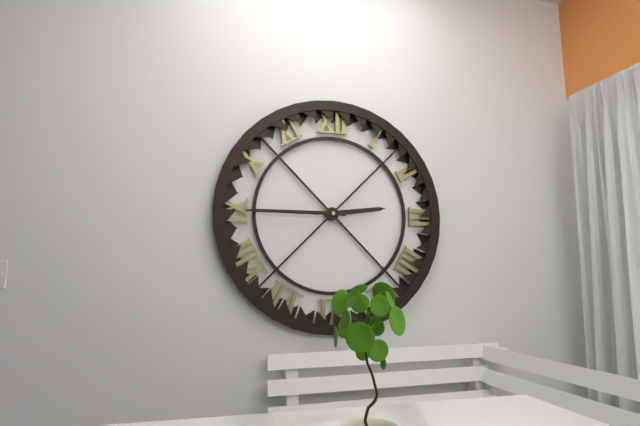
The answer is 2:45
